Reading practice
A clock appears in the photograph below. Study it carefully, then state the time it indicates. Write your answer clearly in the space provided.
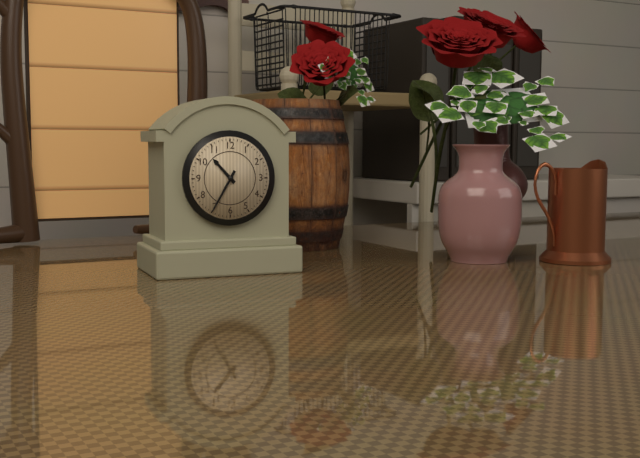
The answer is 10:35
